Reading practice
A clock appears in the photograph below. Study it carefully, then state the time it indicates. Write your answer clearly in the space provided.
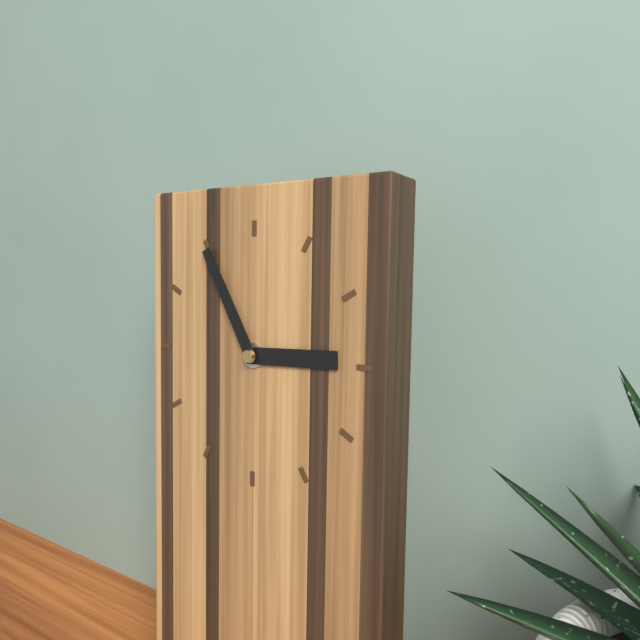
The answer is 2:55
